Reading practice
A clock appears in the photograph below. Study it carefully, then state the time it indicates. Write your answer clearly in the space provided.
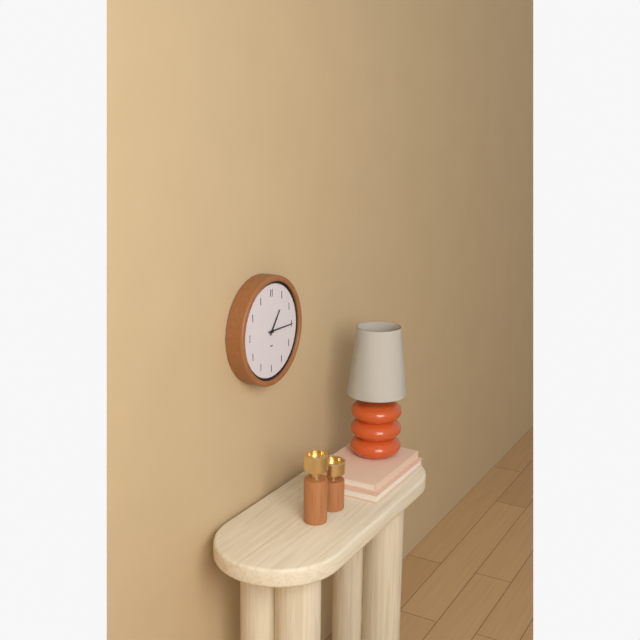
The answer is 1:15
